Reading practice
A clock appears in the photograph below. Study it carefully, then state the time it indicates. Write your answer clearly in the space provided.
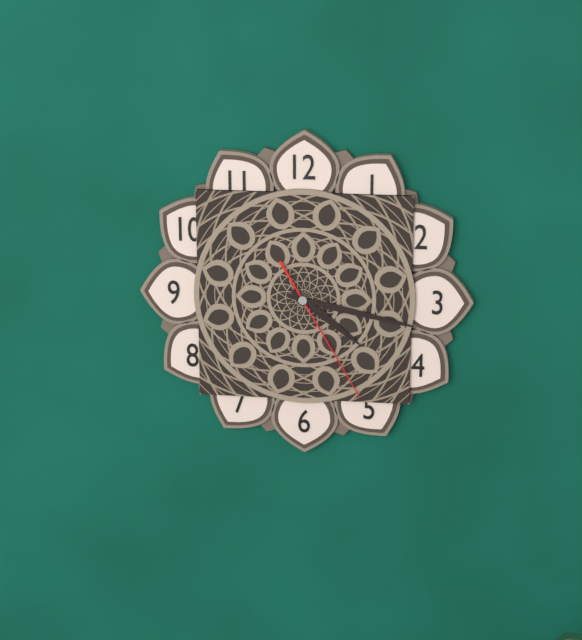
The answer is 4:17:25
